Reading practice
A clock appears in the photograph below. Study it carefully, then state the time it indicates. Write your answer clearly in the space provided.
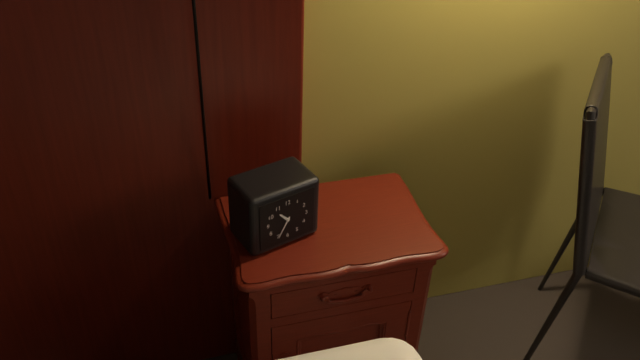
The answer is 10:35
